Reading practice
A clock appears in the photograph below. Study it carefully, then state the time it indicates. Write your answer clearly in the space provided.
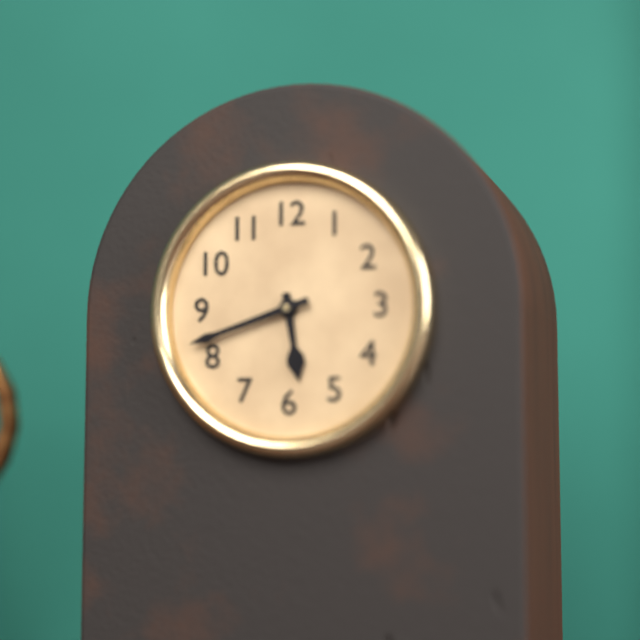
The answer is 5:42
